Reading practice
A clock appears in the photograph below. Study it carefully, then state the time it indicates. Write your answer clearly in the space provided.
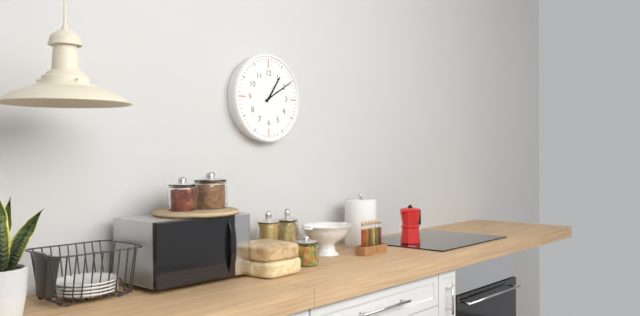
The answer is 1:10
